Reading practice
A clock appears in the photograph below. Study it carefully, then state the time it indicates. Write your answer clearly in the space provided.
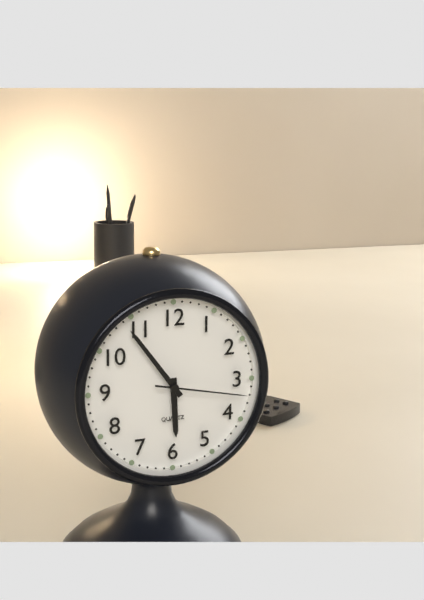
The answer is 5:54:17
